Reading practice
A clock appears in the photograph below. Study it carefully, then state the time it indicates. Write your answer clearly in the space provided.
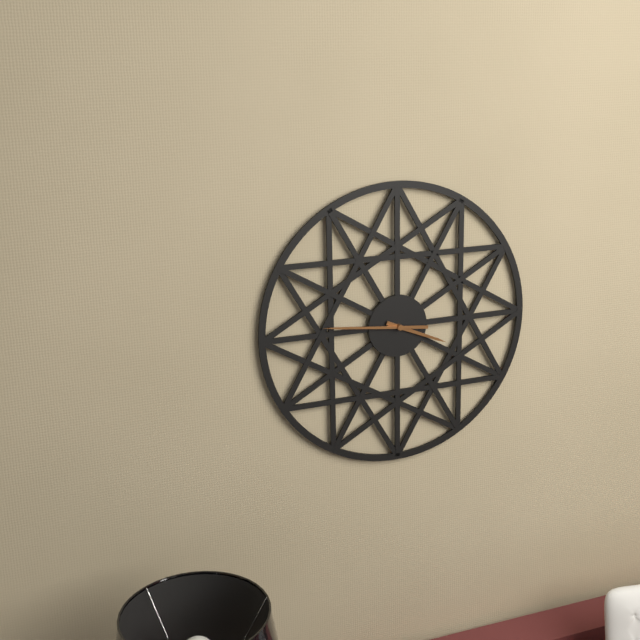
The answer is 3:46
